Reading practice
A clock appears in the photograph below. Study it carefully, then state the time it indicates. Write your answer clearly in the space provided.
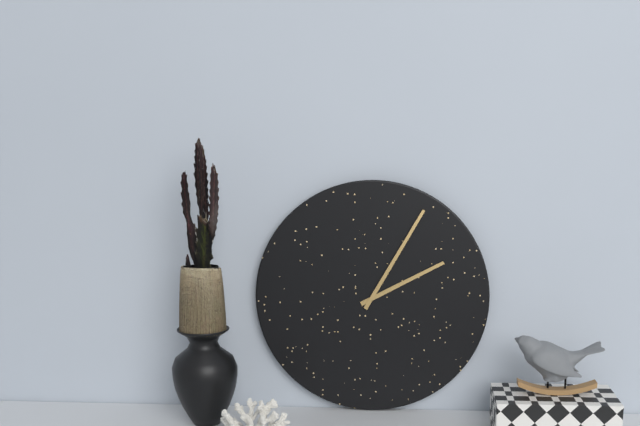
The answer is 2:05
